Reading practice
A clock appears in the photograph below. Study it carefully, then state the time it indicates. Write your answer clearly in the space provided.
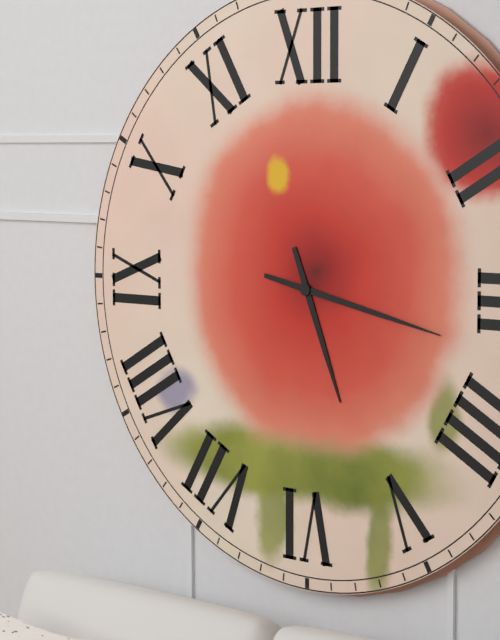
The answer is 5:17
